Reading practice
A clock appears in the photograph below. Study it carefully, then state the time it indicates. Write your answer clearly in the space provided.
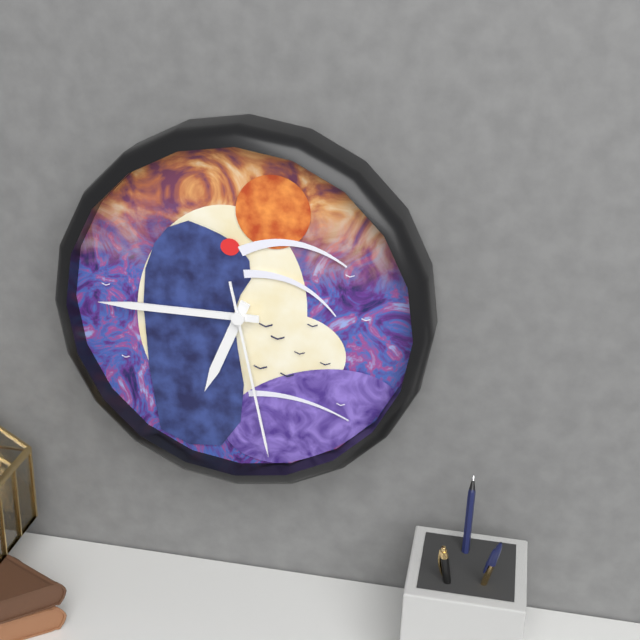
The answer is 6:45:28
